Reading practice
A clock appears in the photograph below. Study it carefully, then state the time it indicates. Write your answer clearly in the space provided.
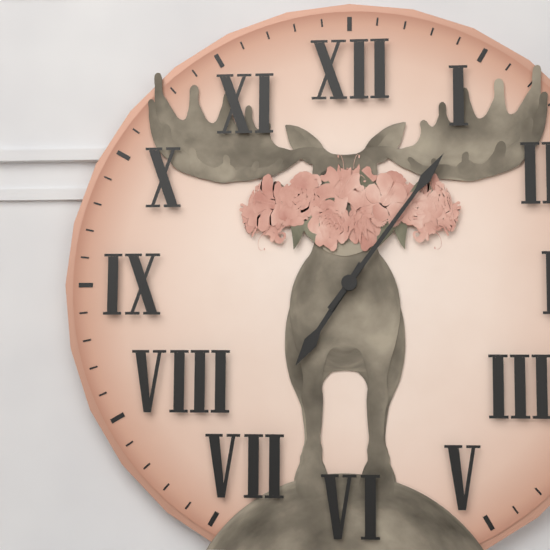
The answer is 7:06
